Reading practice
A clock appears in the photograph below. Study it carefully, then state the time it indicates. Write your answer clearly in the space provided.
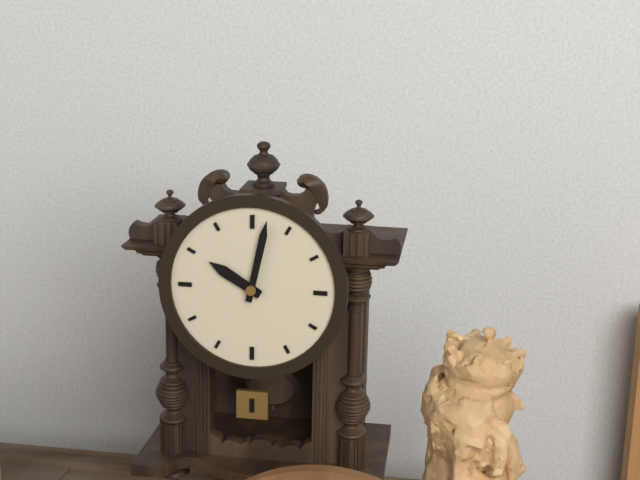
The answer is 10:02
